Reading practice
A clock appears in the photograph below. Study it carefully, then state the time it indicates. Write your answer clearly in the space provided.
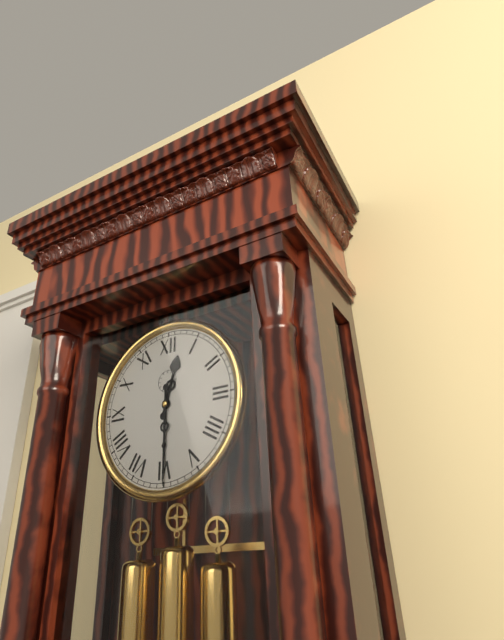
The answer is 12:30
